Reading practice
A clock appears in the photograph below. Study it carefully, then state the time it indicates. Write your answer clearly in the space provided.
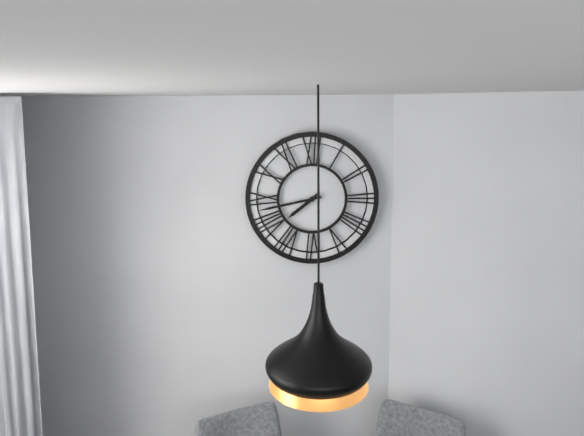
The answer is 7:43
